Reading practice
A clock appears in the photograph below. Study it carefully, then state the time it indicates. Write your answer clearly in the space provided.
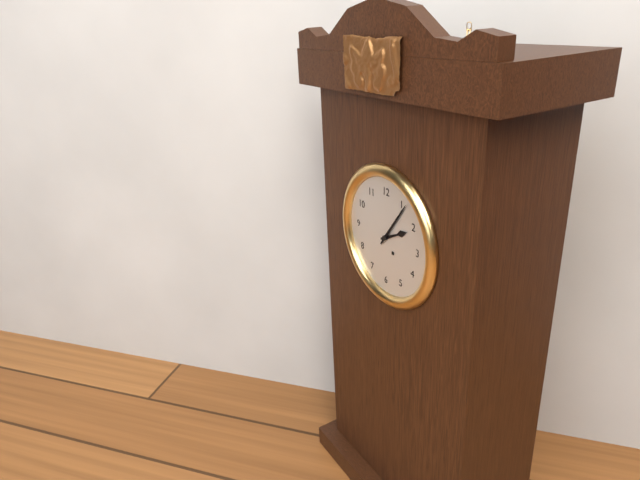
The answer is 2:06
